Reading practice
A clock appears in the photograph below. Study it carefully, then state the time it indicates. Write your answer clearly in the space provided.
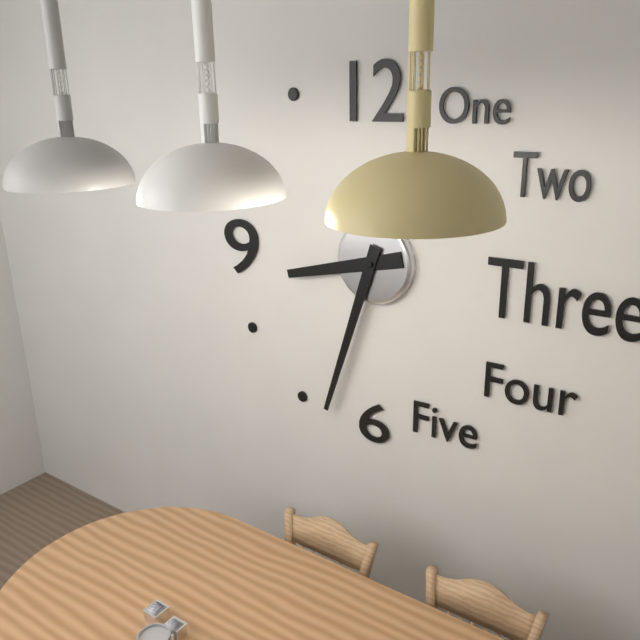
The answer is 8:33
